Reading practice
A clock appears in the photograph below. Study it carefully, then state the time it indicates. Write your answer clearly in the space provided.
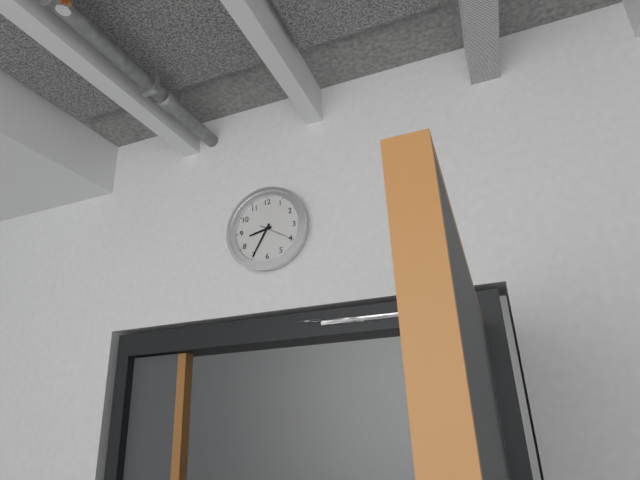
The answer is 8:35
